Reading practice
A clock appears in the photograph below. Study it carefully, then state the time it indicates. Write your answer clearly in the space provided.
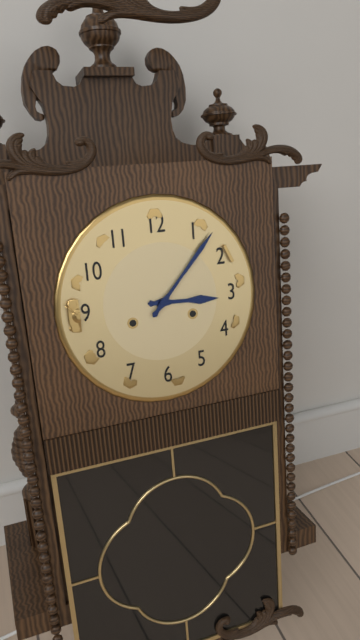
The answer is 3:07
